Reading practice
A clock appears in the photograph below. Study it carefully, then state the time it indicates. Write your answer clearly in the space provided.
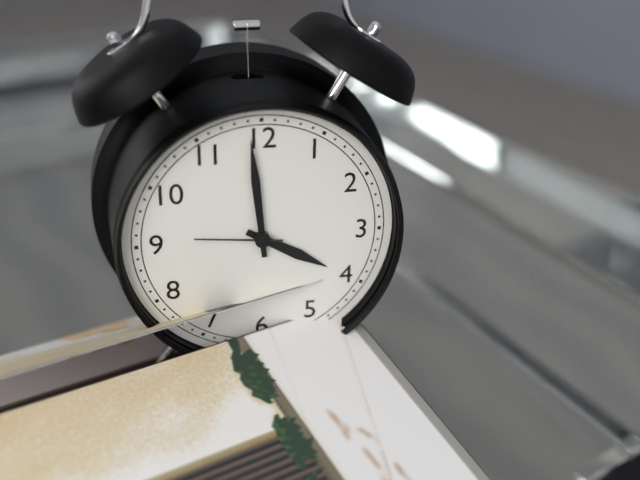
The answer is 3:59:46
